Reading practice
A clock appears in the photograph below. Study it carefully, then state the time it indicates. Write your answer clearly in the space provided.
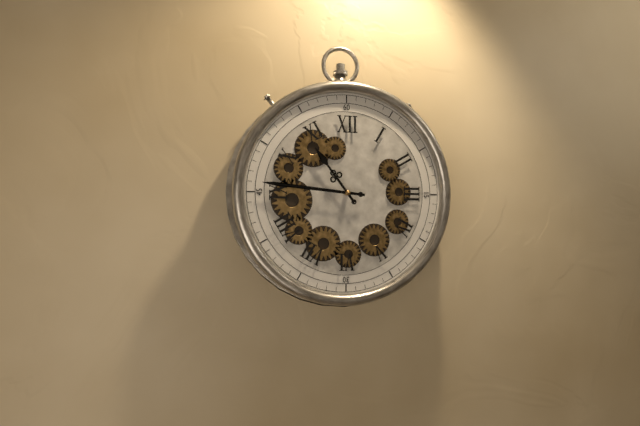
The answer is 10:46
